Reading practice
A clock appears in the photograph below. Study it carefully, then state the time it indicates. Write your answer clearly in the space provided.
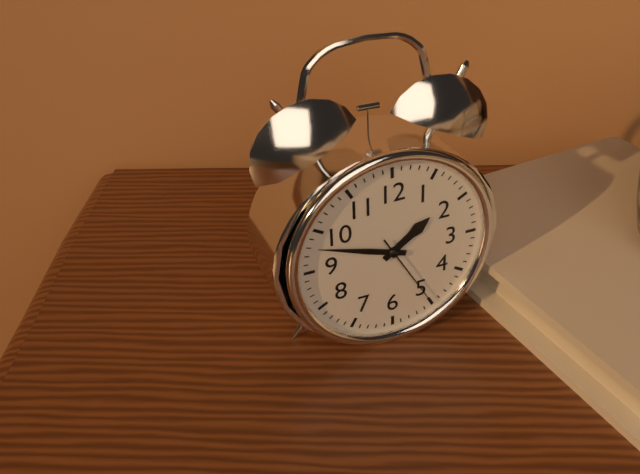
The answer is 1:48:25
